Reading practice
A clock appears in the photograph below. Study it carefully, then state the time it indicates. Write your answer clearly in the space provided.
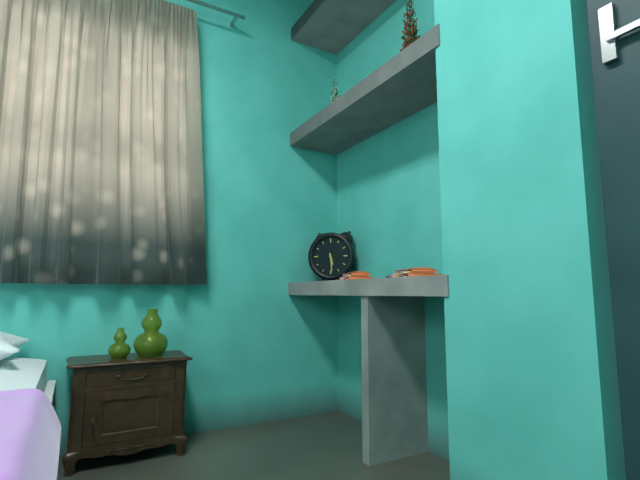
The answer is 5:29
